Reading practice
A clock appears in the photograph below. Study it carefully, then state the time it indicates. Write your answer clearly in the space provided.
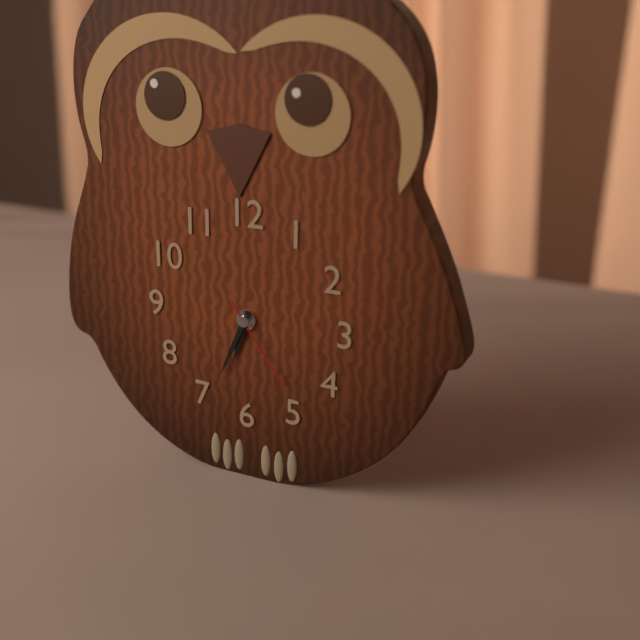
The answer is 6:34:24
